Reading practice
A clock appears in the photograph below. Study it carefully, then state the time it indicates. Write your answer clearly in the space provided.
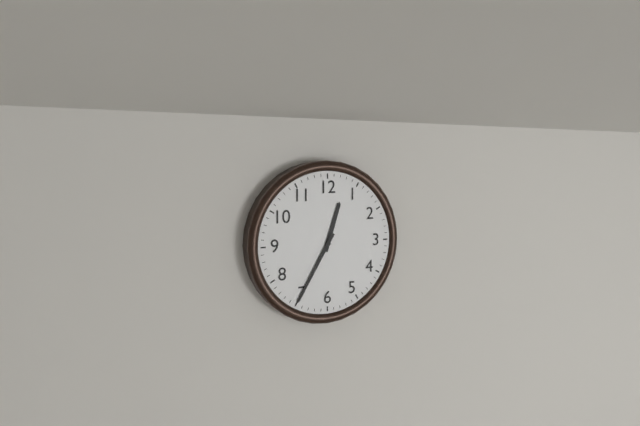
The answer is 12:35
